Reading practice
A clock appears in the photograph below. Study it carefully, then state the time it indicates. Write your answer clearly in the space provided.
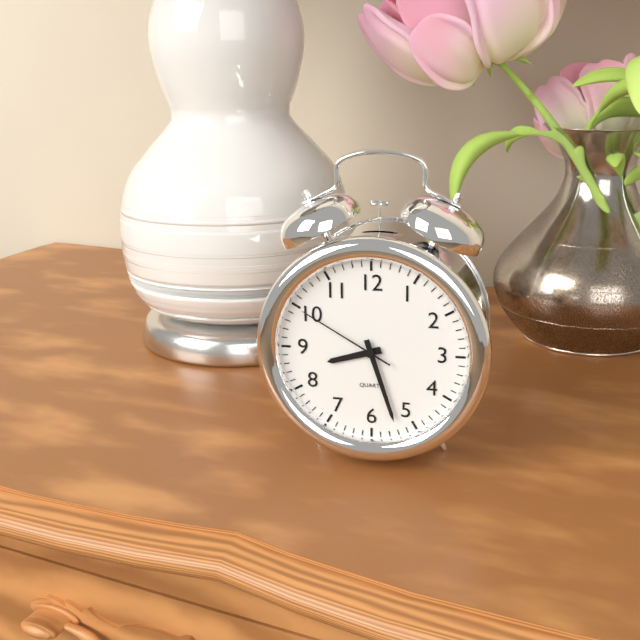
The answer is 8:27:50
